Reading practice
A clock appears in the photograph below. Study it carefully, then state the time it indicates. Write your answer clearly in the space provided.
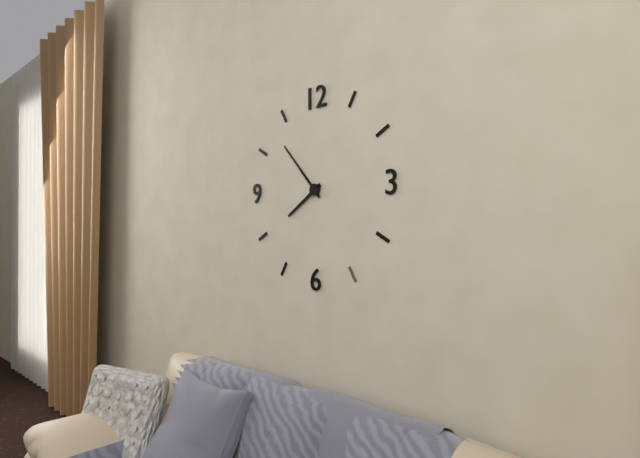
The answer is 7:53
